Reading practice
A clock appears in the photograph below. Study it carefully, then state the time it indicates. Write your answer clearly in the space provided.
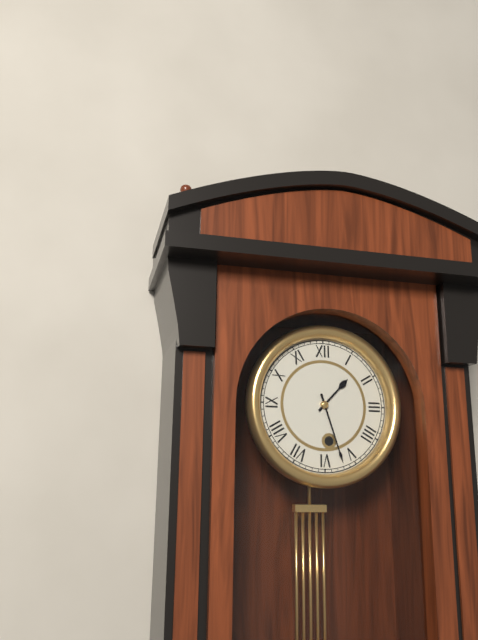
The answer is 1:27
